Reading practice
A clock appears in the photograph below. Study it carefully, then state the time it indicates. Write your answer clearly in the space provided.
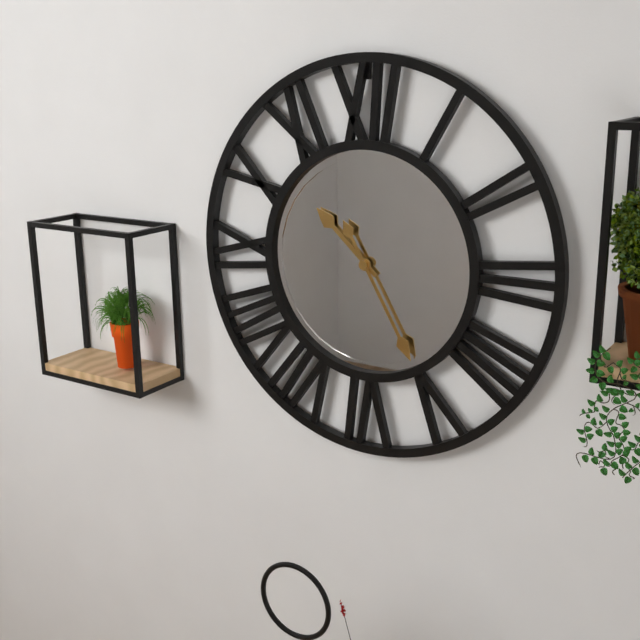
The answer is 10:25
